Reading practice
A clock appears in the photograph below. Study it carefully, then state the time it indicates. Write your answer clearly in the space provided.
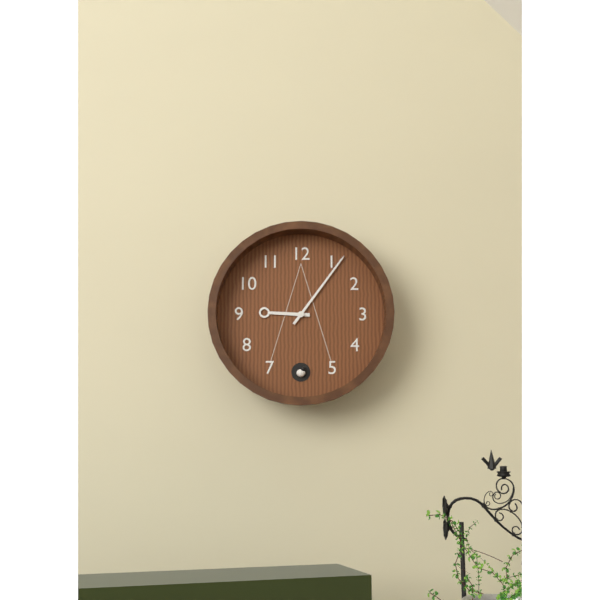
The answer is 9:06
